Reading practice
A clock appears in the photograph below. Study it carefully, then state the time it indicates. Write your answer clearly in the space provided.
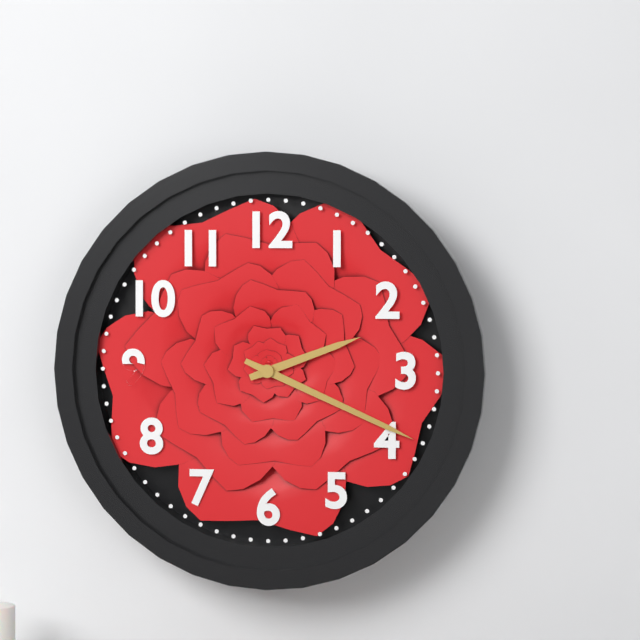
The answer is 2:19
